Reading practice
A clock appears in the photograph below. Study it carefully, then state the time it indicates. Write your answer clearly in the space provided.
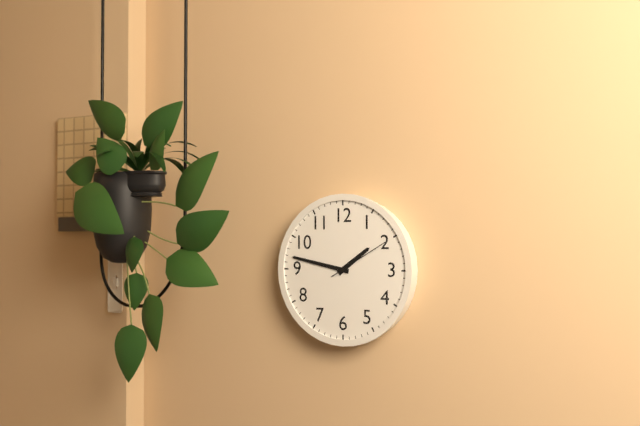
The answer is 1:47:10
